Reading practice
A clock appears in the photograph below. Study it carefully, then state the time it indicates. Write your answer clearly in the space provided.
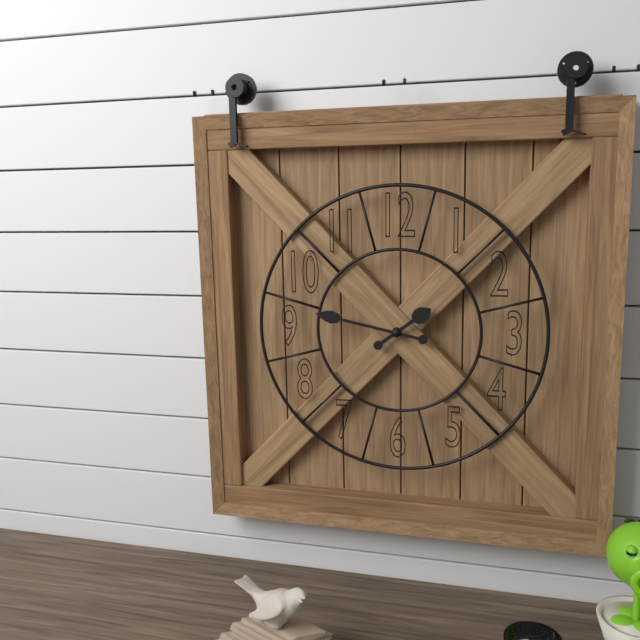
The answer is 1:47
